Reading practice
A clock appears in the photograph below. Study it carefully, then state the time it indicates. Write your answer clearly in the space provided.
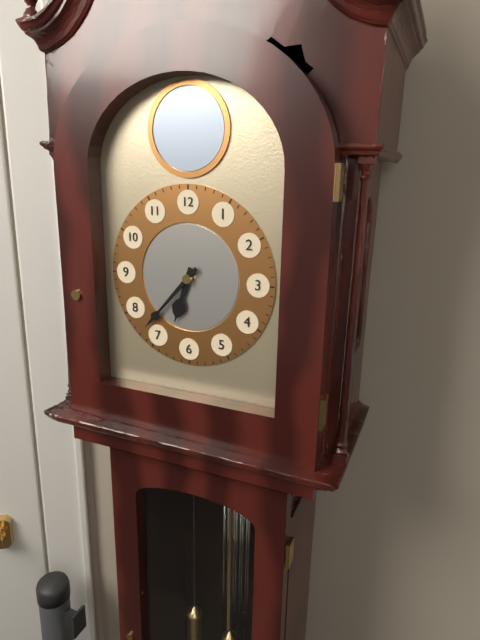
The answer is 6:37
